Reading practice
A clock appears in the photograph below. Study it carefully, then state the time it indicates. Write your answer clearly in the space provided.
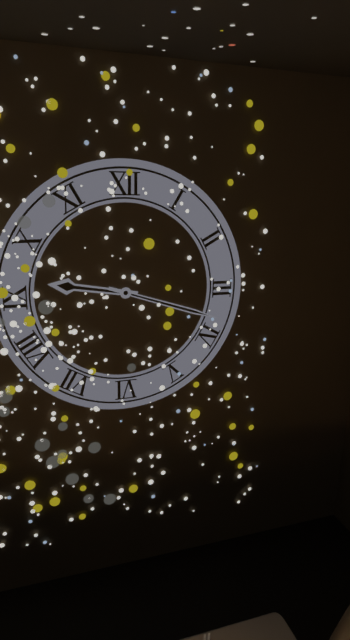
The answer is 9:18
